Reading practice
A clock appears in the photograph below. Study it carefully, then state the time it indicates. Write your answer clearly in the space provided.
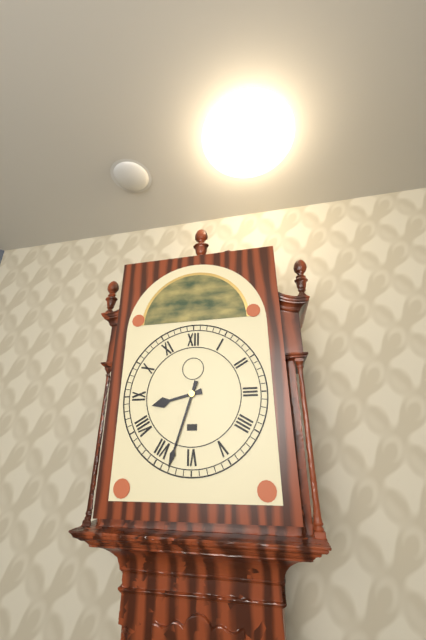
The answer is 8:33
